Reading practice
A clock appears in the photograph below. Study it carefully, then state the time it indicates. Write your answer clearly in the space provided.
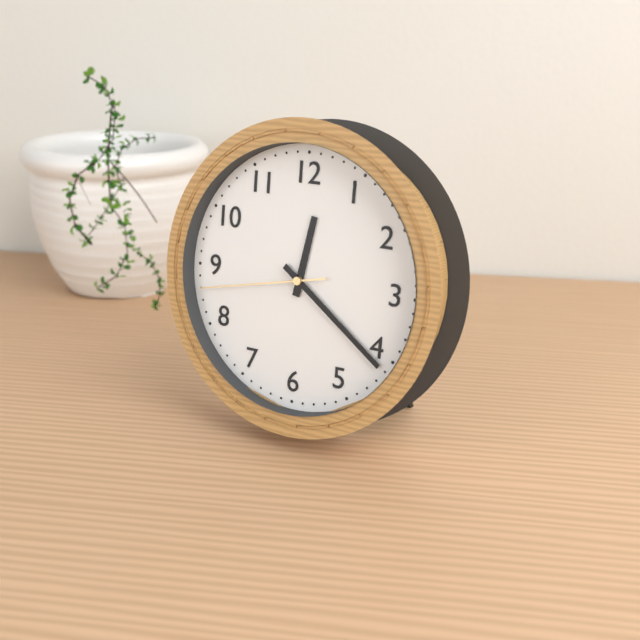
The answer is 12:21:43
